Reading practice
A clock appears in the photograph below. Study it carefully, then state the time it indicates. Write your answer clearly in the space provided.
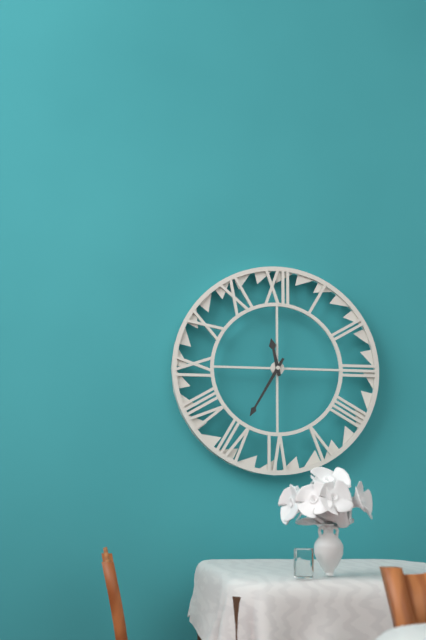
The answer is 11:35
